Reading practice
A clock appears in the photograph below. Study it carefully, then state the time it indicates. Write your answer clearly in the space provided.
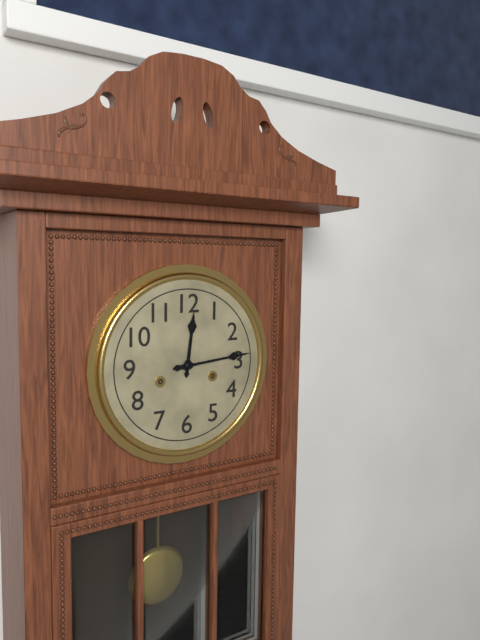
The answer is 12:14
